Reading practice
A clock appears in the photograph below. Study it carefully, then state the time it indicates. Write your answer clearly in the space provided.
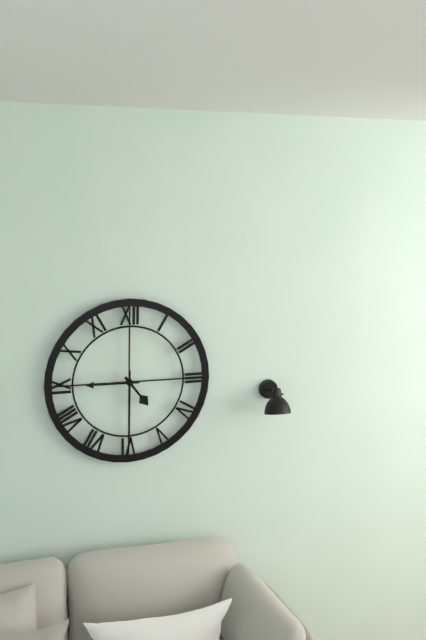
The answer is 4:45:30
